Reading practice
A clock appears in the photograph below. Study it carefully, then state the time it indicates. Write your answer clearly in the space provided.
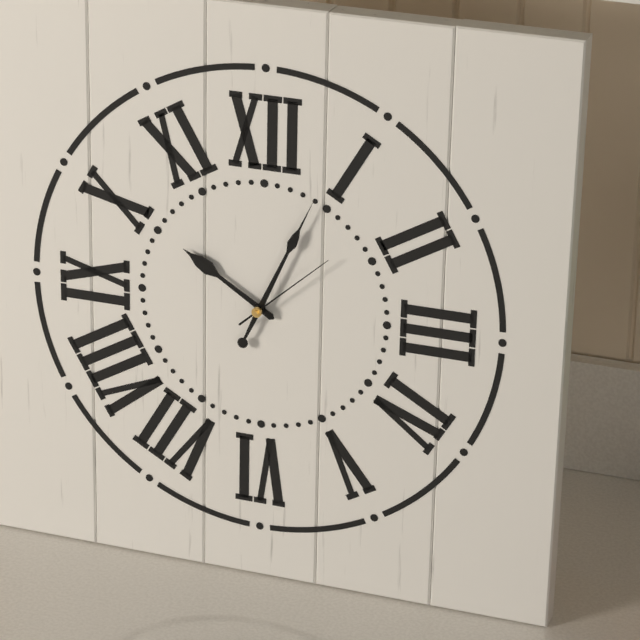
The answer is 10:04:08
